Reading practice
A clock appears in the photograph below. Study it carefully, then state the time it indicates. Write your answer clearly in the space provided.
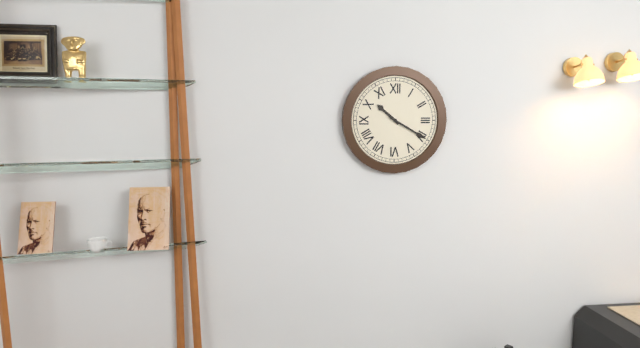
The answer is 10:20
